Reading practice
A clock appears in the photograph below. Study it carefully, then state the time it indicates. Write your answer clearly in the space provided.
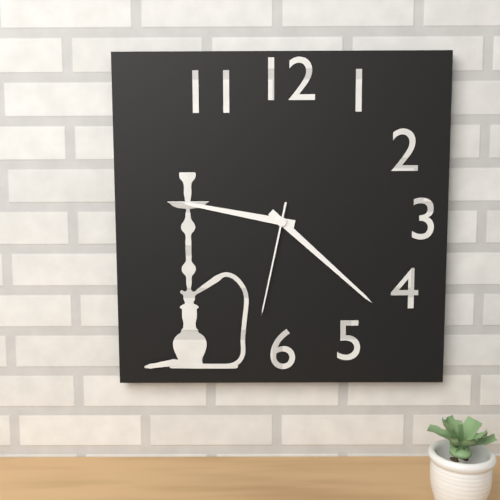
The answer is 9:22:32
